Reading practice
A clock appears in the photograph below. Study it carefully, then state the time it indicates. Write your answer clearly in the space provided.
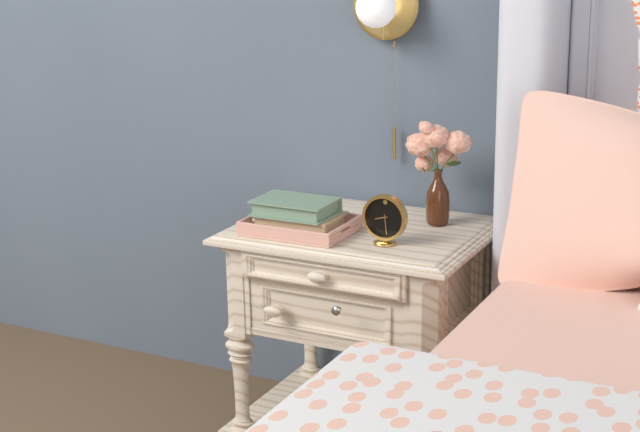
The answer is 8:29
